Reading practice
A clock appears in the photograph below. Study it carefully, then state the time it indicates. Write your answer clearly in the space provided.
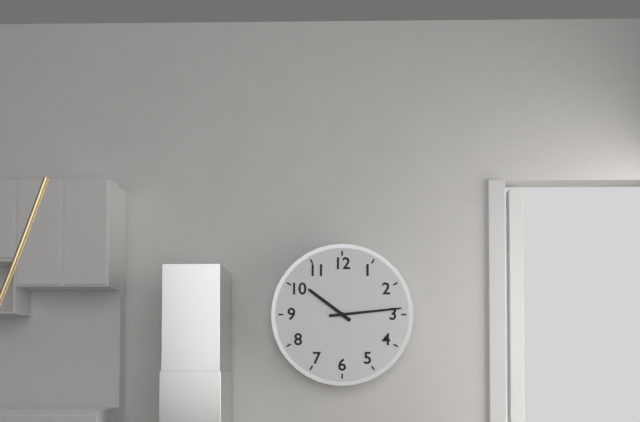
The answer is 10:14
